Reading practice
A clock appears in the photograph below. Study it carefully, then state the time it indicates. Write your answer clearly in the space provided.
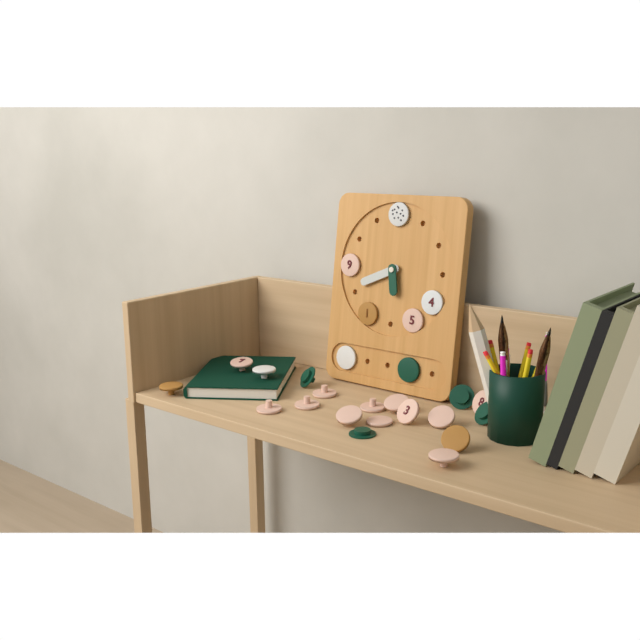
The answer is 5:41
